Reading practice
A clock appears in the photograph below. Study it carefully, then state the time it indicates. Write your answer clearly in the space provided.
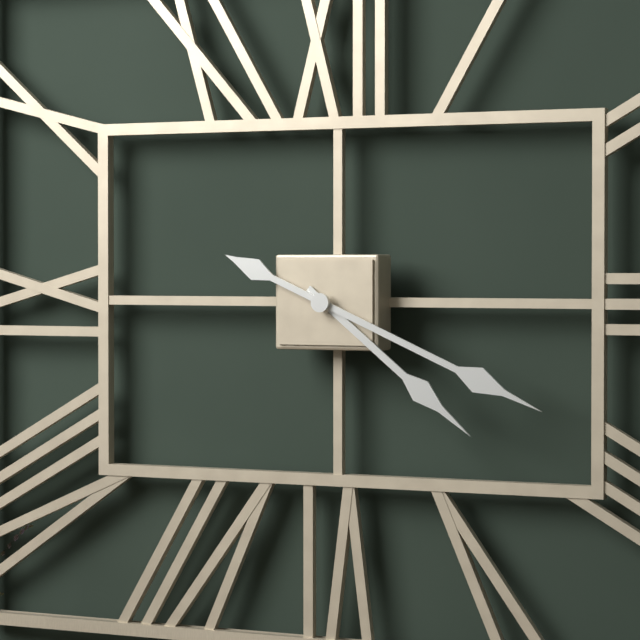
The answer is 4:19
